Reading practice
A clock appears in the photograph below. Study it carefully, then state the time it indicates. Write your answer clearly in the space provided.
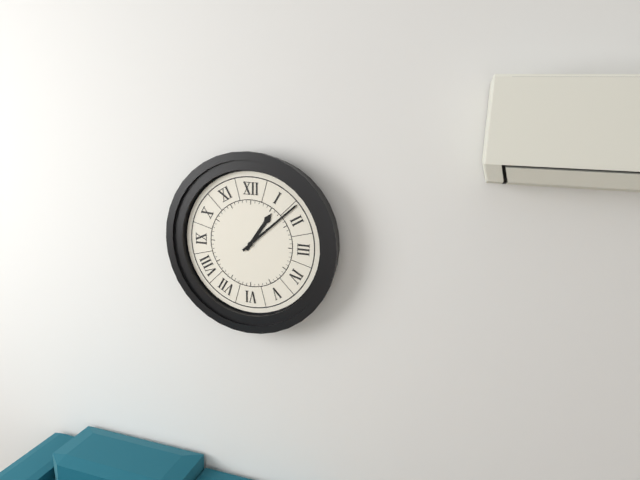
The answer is 1:08
